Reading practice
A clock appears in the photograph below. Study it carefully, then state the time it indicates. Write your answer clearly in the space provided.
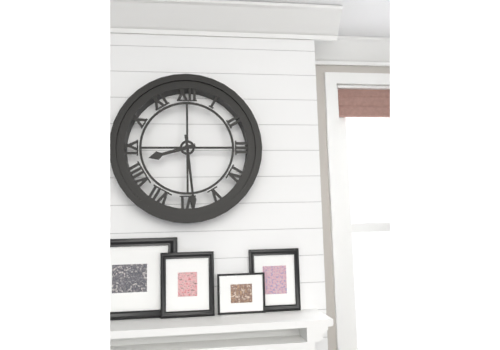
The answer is 8:29
